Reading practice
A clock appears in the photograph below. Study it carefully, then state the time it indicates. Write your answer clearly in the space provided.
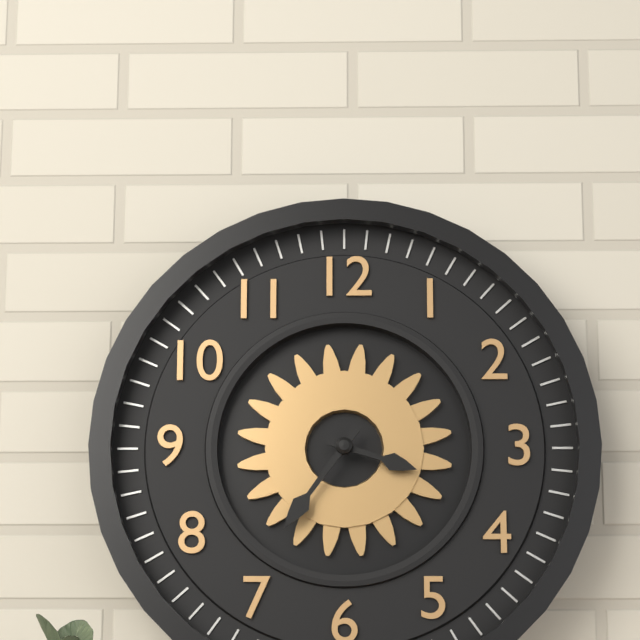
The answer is 3:36
